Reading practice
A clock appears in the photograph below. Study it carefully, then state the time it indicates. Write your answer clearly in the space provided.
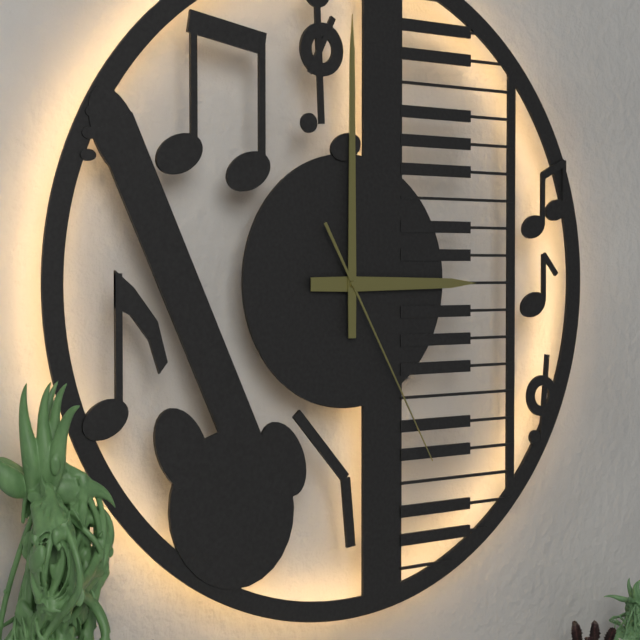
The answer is 3:00:25
